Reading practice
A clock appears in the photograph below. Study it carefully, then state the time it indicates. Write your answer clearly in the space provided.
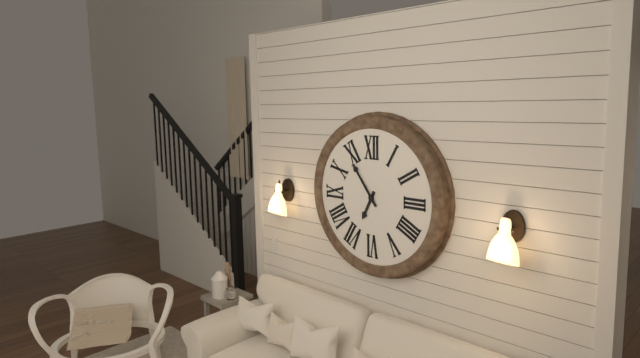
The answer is 6:54
